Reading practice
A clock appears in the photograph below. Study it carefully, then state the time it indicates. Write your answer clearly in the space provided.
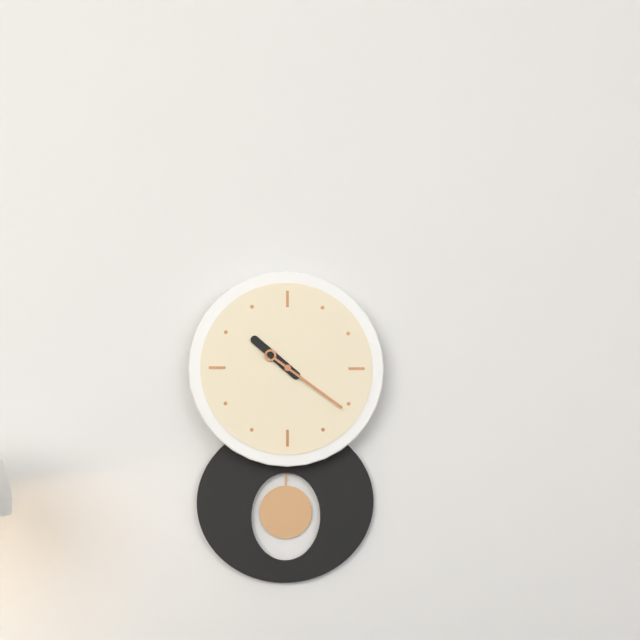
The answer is 10:21
